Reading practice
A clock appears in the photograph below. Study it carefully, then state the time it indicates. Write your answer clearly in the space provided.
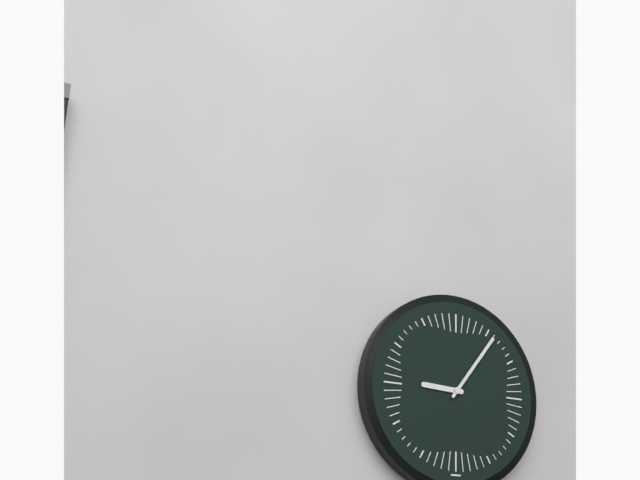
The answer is 9:06
